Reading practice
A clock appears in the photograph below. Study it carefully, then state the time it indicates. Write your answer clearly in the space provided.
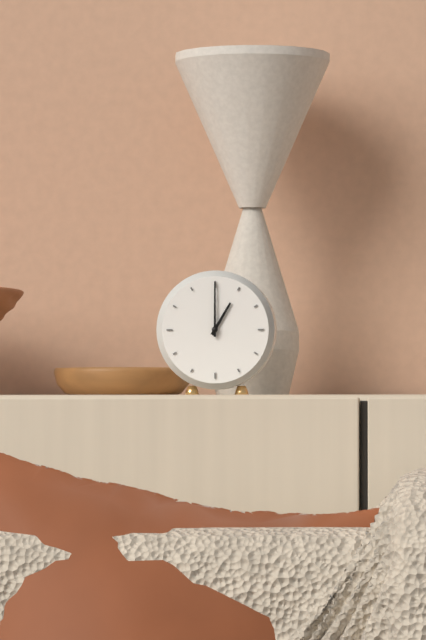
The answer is 1:00
